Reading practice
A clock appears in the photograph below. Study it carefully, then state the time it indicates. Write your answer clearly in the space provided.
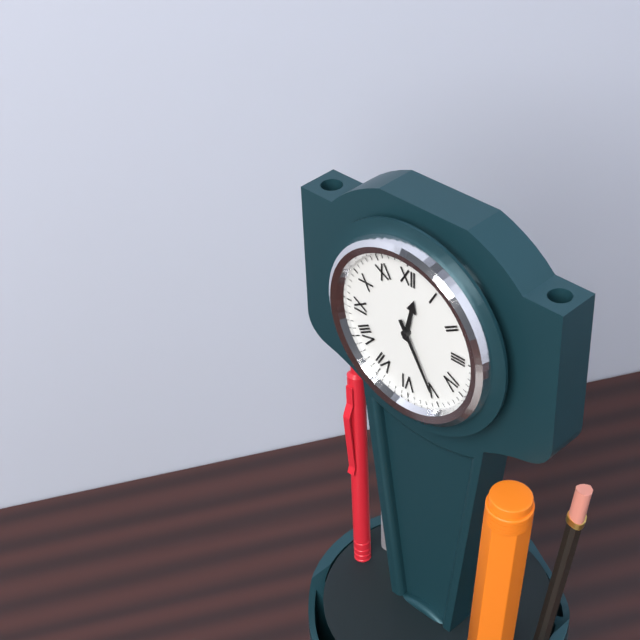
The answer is 12:25
